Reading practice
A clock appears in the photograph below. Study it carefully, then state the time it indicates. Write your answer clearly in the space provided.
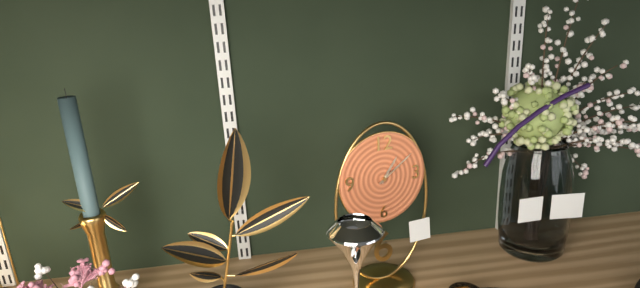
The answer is 1:09
